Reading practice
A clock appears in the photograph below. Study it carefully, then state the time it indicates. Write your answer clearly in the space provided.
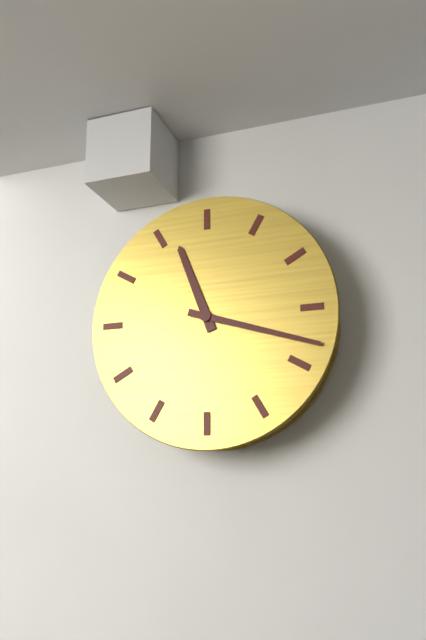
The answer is 11:18
